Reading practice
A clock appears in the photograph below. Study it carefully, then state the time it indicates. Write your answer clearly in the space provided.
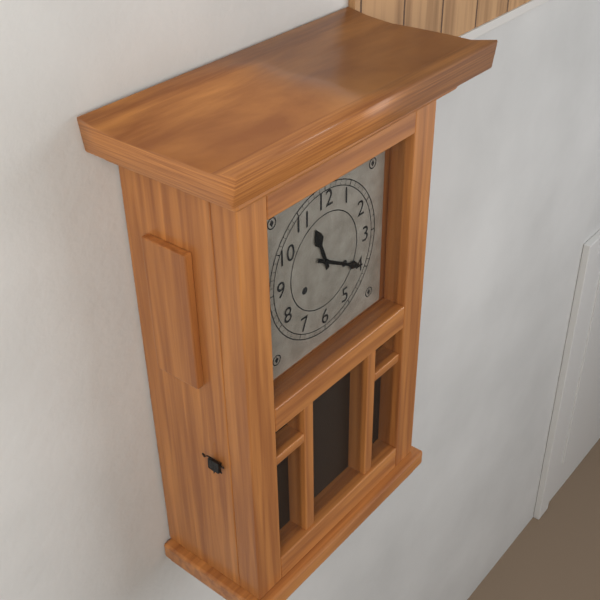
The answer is 11:20
